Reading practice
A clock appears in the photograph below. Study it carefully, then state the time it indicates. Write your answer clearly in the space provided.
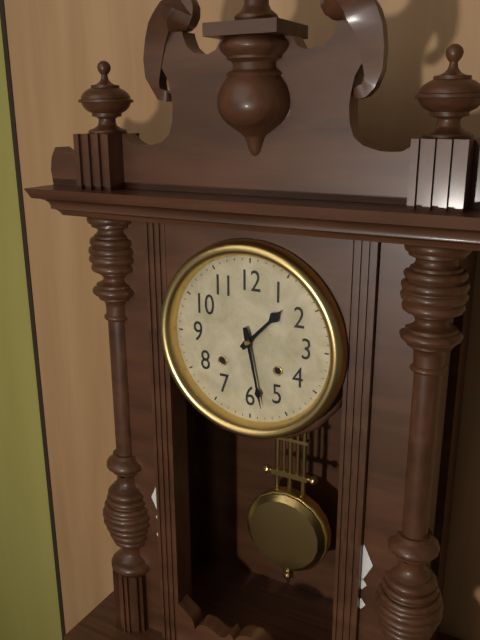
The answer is 1:28
